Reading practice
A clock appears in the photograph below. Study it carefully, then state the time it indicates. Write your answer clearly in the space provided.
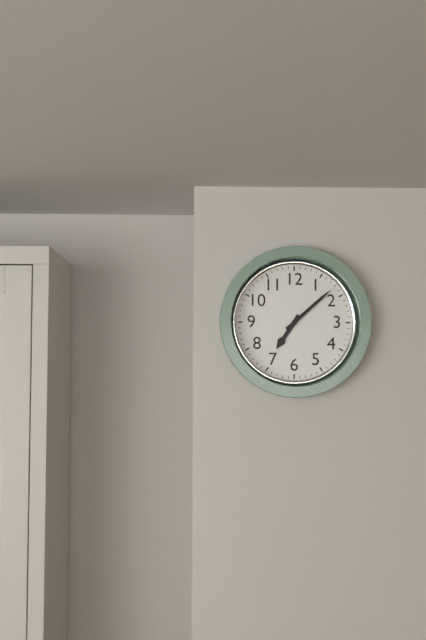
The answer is 7:08
